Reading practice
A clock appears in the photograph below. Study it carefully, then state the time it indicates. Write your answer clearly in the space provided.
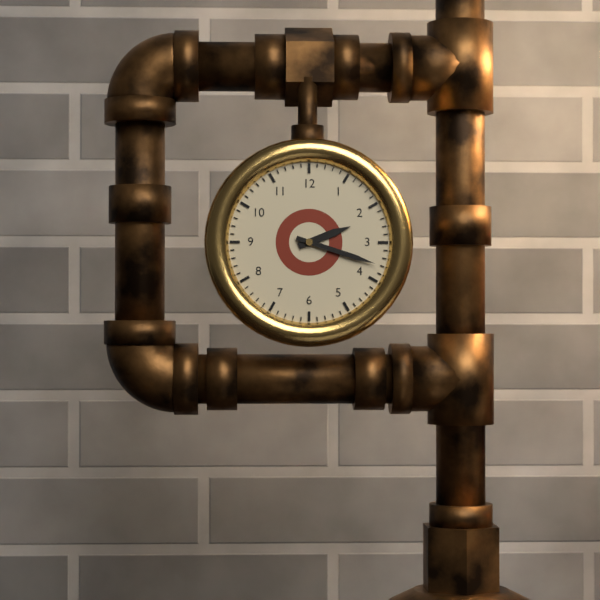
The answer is 2:18
